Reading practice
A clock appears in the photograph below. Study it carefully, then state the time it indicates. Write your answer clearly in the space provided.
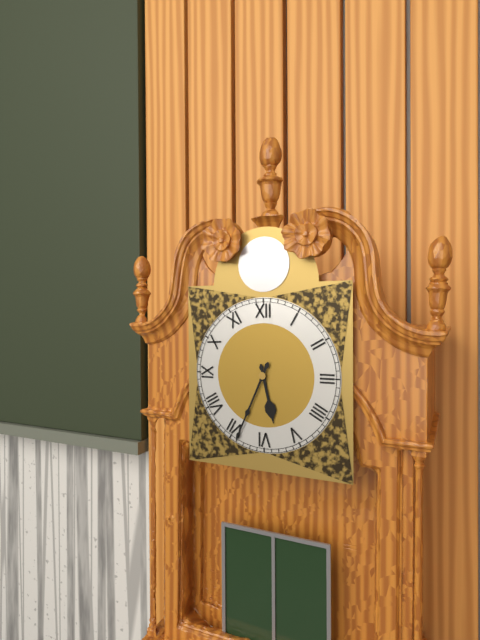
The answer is 5:34
